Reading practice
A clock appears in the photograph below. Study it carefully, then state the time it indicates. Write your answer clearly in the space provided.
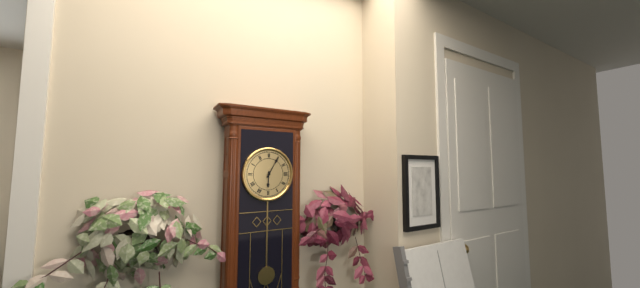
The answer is 6:05
